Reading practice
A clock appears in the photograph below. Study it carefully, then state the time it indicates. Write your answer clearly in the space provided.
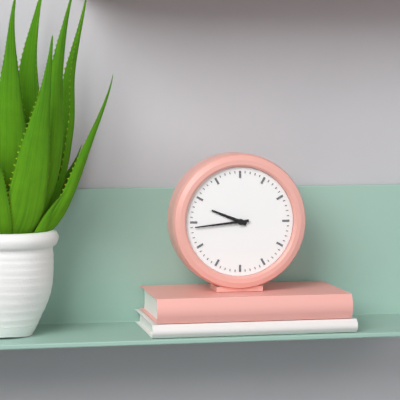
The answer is 9:44
